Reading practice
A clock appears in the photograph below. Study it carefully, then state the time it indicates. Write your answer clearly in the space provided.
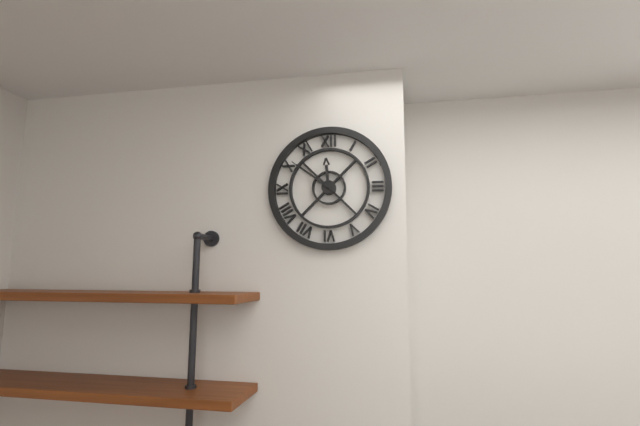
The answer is 11:51
